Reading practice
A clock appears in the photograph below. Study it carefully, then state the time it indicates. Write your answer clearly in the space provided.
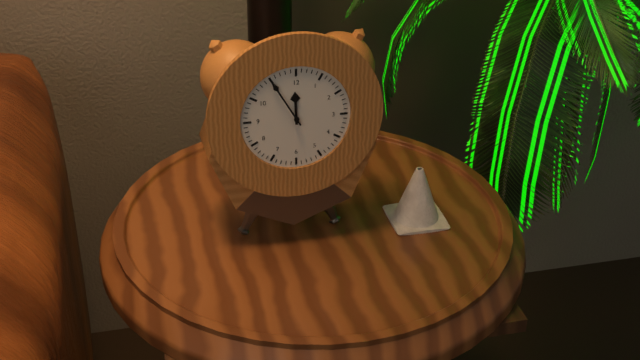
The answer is 11:55
